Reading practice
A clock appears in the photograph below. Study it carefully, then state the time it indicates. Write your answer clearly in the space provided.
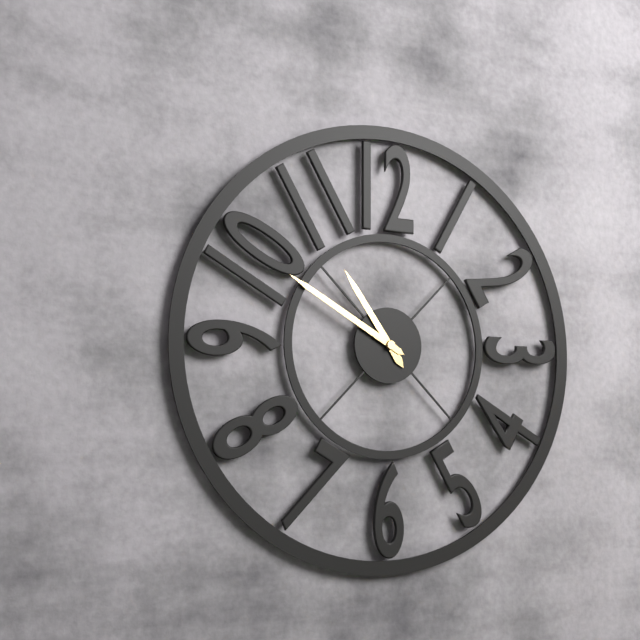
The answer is 10:50
